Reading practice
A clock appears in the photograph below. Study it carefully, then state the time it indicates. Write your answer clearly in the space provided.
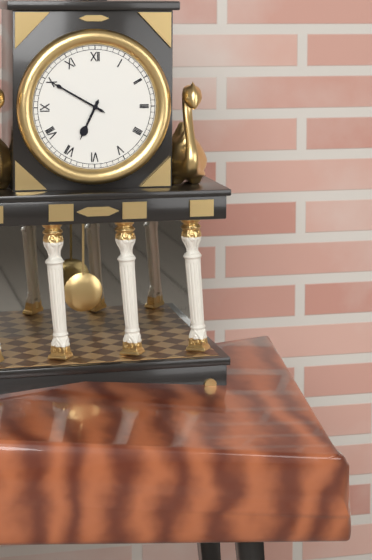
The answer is 6:50
